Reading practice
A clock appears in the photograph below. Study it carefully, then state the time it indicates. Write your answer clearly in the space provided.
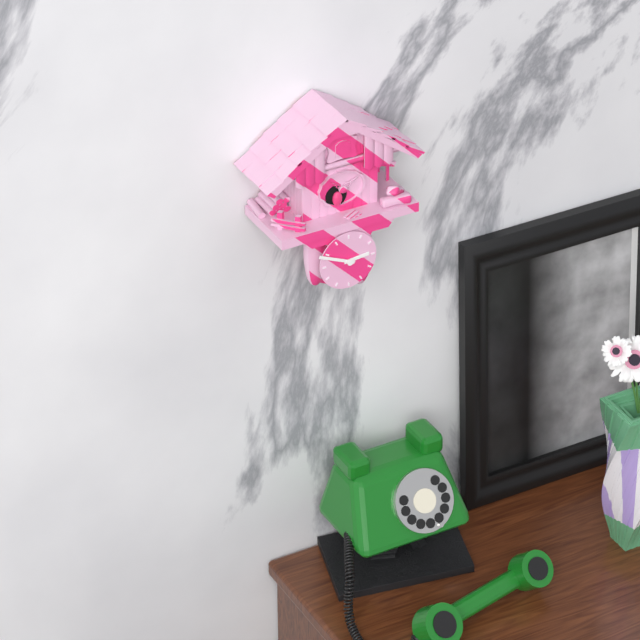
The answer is 2:49
